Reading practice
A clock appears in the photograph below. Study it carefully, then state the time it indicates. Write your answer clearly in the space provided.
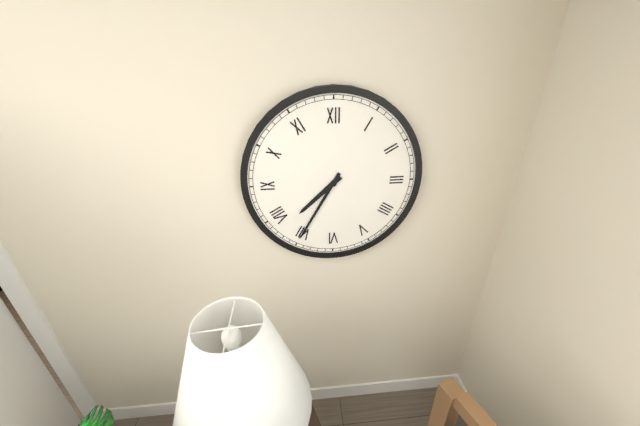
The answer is 7:35
